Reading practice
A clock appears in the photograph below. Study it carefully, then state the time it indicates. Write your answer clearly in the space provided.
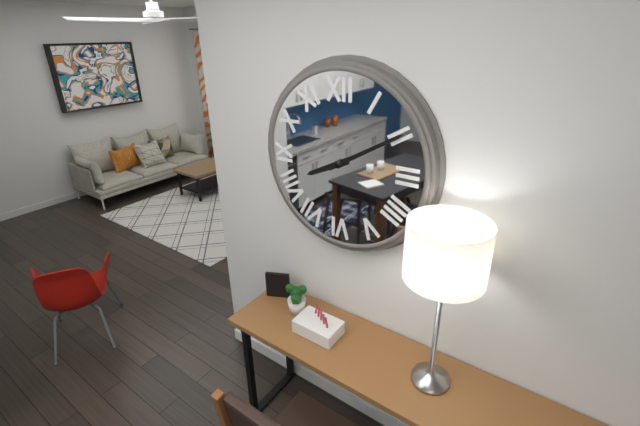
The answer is 8:10
